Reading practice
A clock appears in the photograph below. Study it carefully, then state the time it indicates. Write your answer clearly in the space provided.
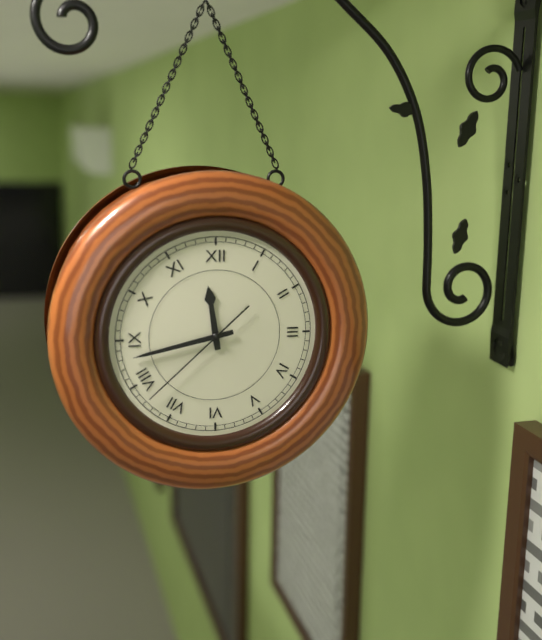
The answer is 11:43:38
